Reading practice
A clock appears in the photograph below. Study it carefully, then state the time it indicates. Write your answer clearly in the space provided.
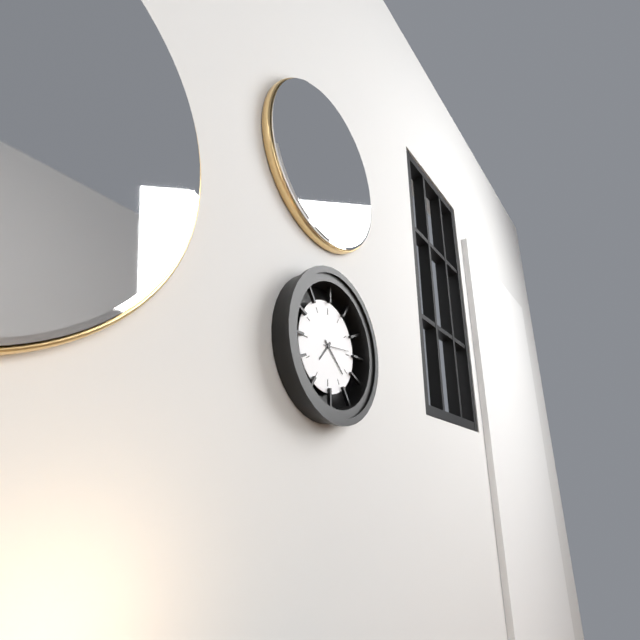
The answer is 7:22
